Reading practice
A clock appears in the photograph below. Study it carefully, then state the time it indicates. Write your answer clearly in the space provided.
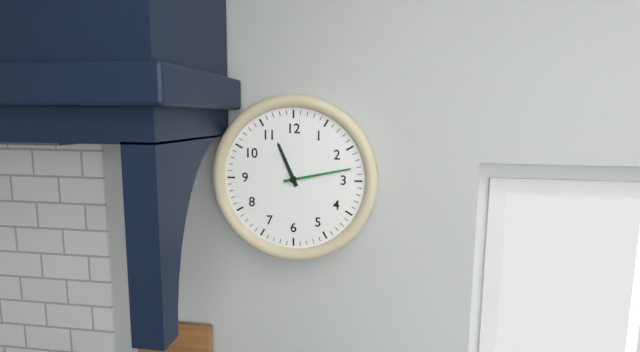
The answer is 11:13
